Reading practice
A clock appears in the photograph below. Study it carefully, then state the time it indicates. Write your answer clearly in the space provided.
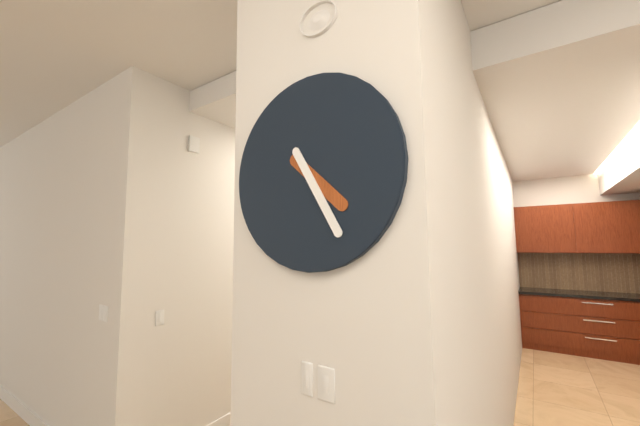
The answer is 4:25
